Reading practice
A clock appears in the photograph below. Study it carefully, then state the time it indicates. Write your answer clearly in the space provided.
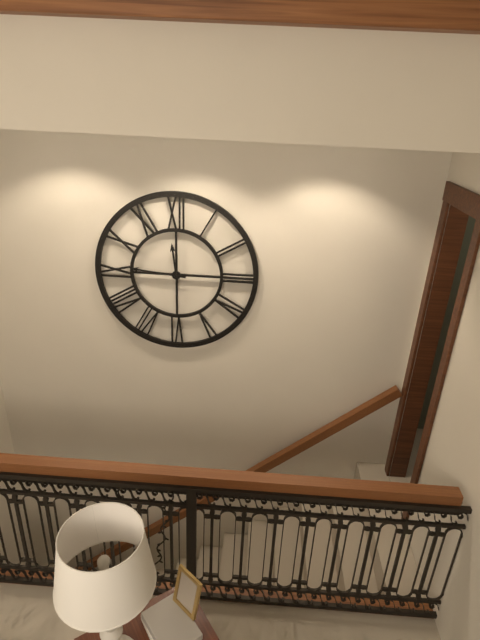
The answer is 11:46
